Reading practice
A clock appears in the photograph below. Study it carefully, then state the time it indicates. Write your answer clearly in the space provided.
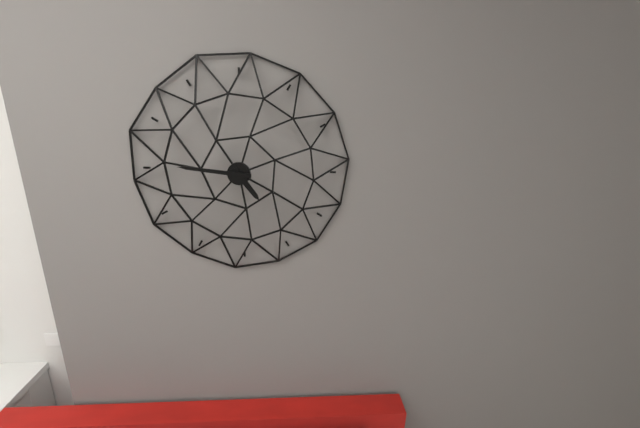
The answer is 4:46
